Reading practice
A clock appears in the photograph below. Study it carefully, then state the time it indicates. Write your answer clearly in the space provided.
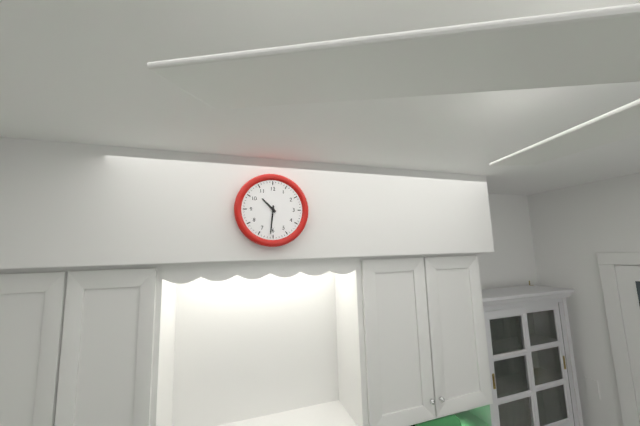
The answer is 10:31
